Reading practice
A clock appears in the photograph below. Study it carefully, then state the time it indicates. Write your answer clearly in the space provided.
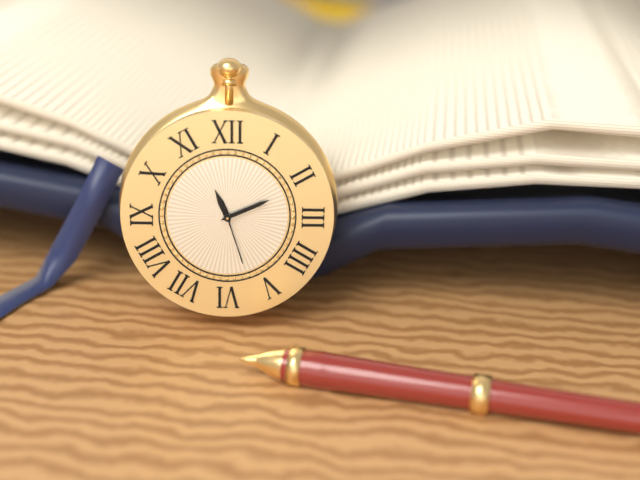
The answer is 11:11:27
